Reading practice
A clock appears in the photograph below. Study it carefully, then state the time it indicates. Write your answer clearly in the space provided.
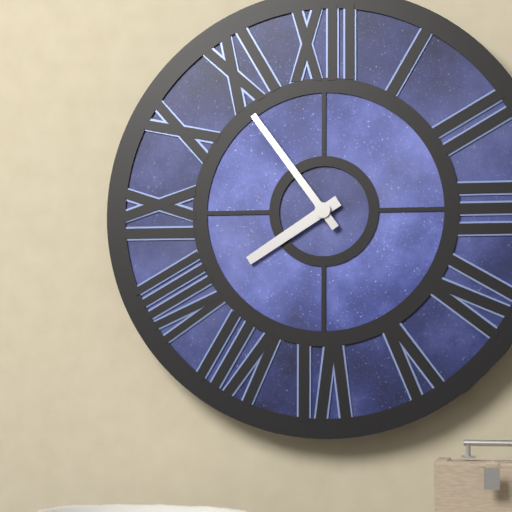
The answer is 7:54
